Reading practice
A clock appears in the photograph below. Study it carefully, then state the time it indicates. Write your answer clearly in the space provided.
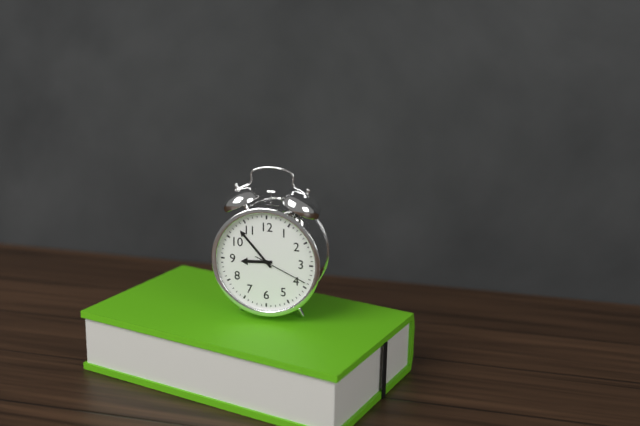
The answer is 8:53:19
